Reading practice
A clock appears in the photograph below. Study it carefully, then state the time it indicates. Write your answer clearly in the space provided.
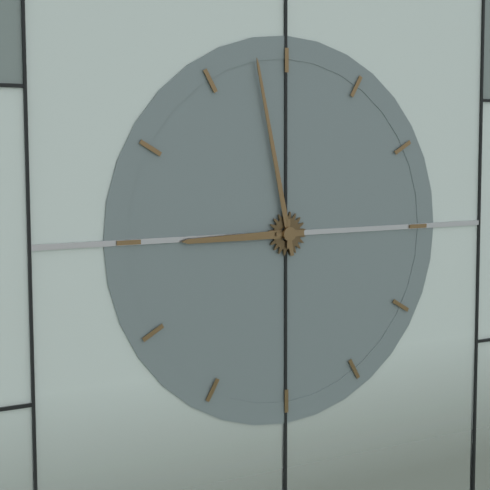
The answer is 8:58
